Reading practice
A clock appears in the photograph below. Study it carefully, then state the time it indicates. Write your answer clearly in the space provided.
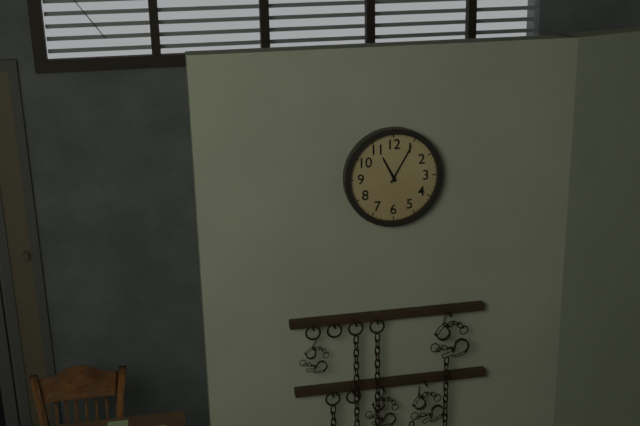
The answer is 11:05
